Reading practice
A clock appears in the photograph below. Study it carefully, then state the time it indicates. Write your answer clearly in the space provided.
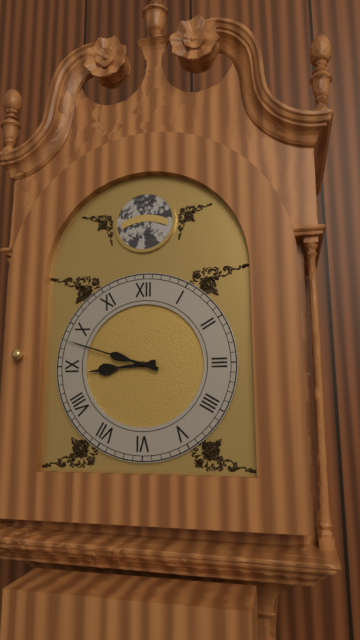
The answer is 8:48
